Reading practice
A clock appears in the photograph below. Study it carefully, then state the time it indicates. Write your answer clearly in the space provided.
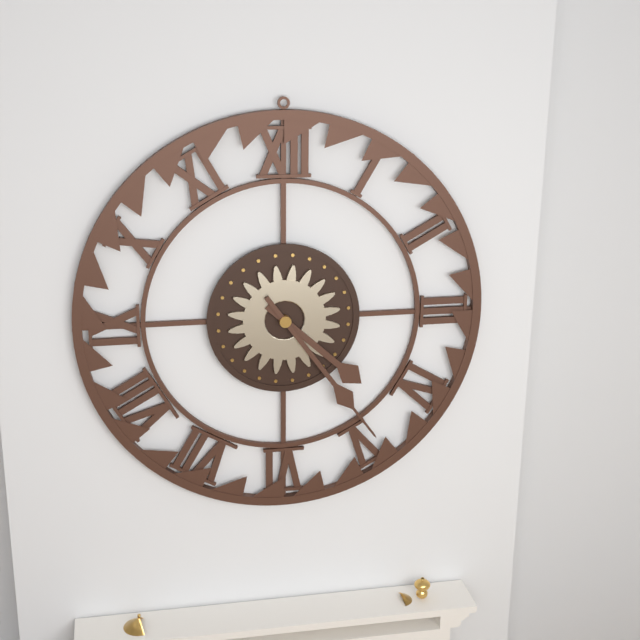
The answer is 4:24
